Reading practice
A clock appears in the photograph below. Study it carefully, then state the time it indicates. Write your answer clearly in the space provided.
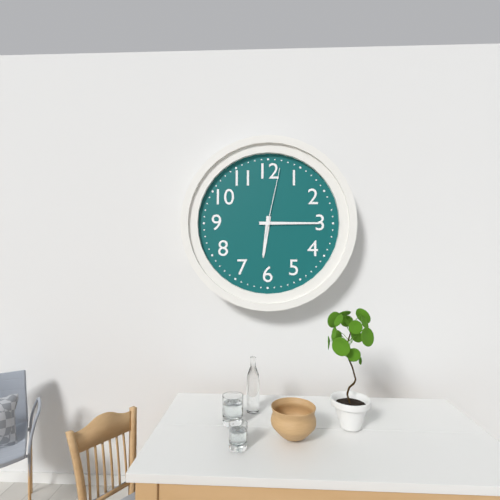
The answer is 6:15:02
